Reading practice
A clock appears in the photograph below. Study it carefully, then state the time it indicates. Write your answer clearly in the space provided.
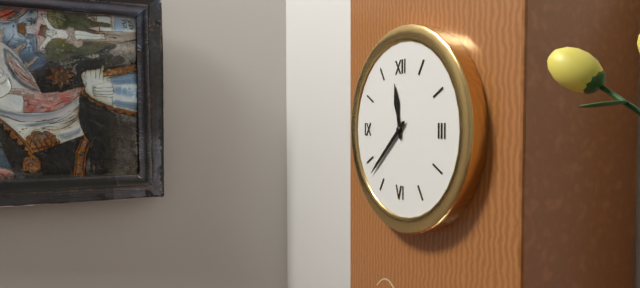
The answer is 11:38
